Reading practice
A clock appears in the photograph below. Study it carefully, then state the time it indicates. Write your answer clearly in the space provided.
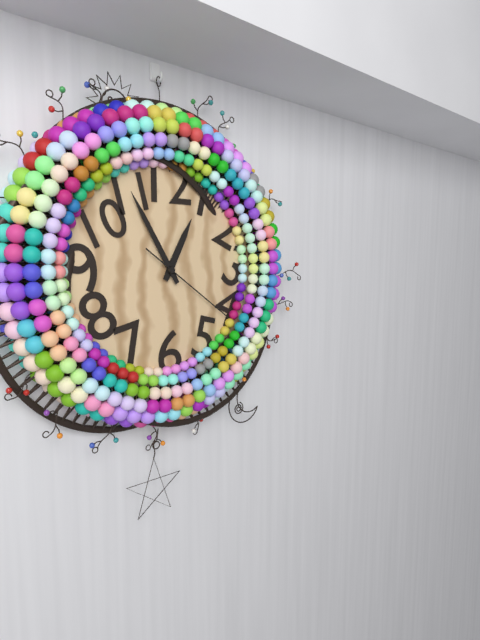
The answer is 12:55:21
